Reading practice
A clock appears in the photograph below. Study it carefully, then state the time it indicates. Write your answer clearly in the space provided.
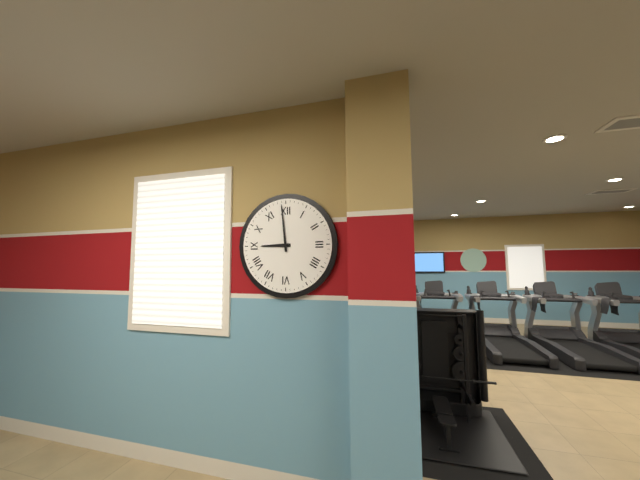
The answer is 8:59
